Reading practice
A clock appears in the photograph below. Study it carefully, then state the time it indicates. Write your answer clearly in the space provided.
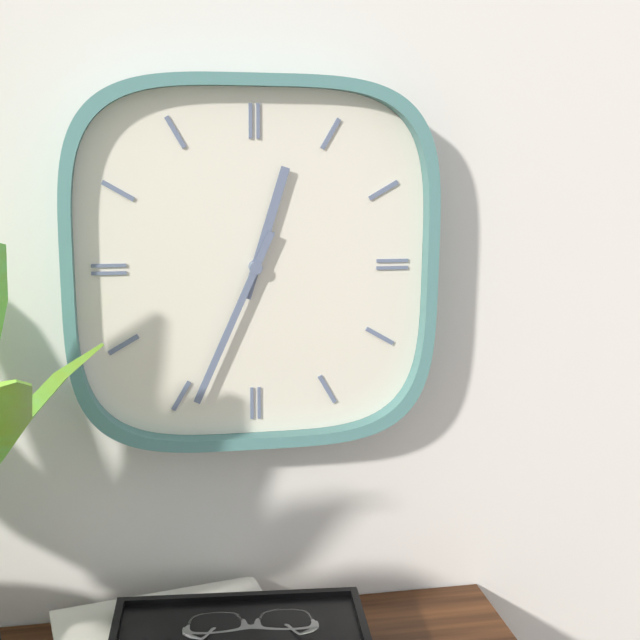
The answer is 12:34
